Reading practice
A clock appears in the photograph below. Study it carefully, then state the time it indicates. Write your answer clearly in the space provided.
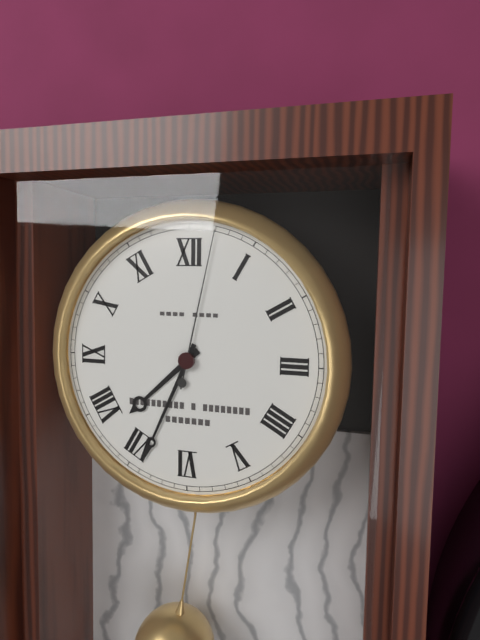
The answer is 7:34:02
